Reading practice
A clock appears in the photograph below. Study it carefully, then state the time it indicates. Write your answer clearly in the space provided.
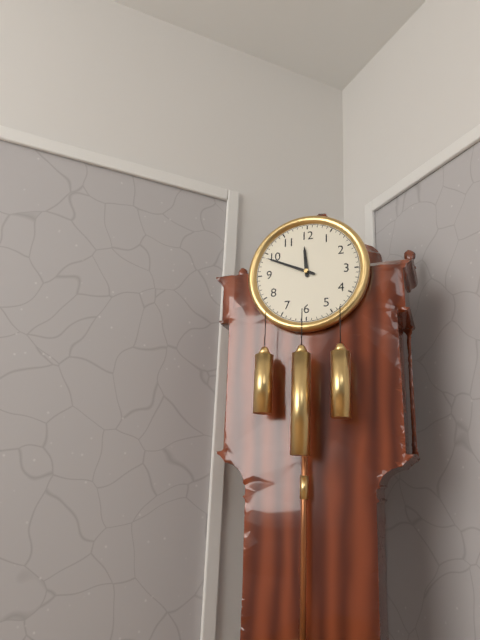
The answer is 11:49
